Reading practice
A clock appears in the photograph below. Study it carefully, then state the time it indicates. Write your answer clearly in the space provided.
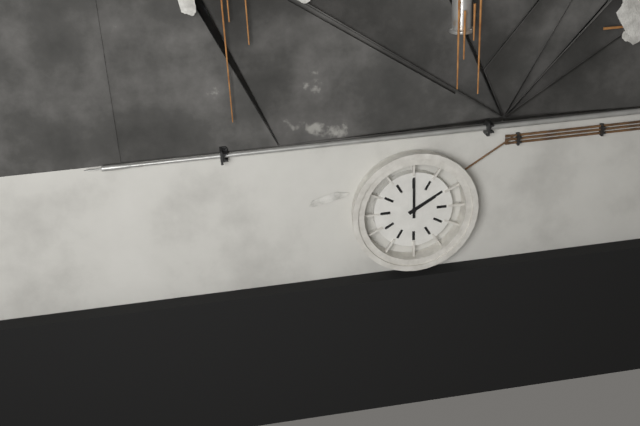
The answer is 2:00
